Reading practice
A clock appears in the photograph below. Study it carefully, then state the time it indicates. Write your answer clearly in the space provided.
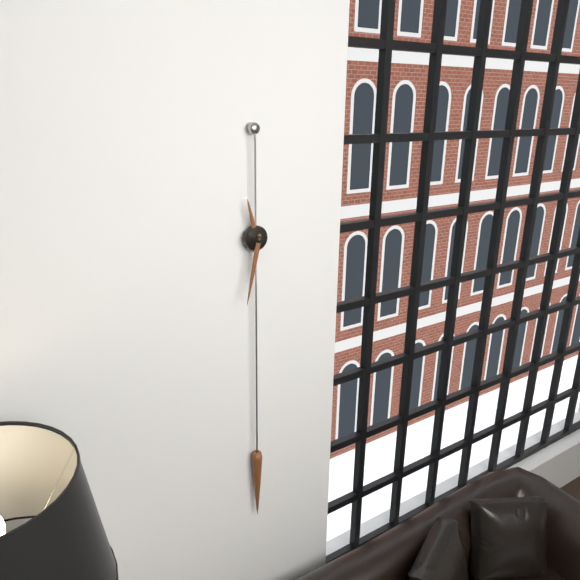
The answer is 11:32
